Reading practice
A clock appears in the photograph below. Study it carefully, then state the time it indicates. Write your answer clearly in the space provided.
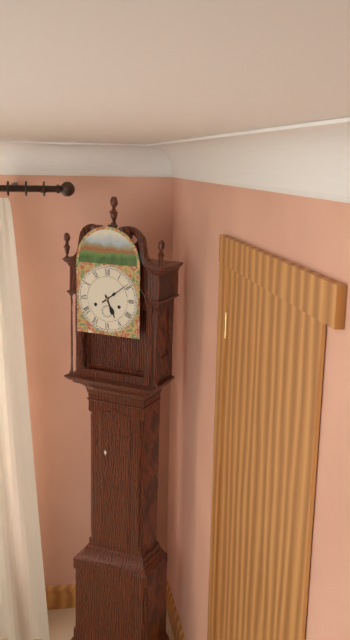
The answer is 5:09
